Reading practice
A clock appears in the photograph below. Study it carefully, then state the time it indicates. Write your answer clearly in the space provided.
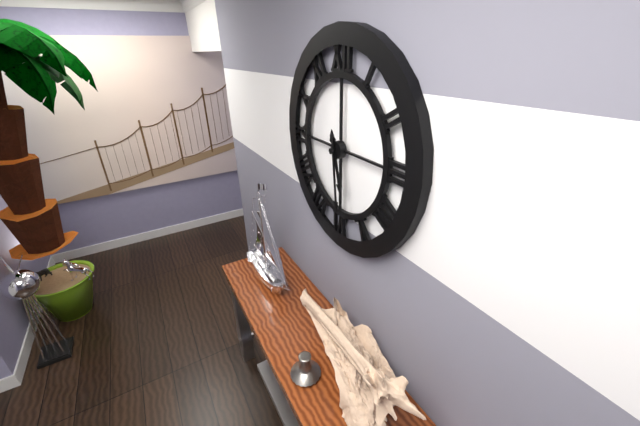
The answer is 5:29
